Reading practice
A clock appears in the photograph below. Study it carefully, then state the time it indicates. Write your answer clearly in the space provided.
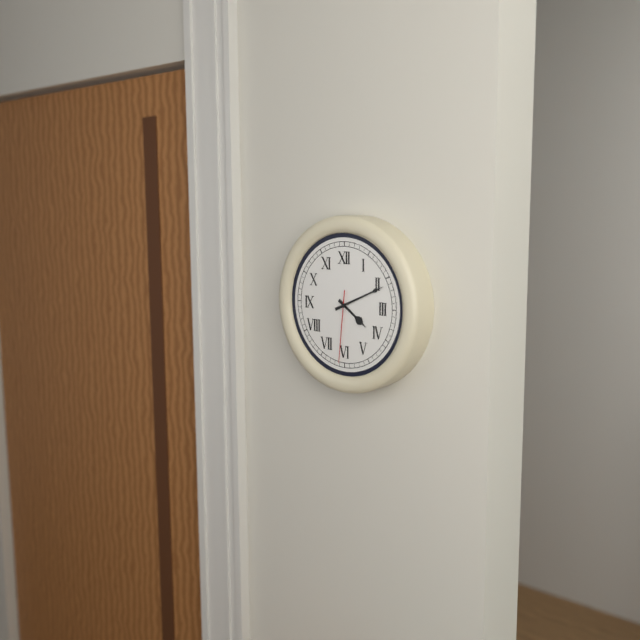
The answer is 4:11:31
